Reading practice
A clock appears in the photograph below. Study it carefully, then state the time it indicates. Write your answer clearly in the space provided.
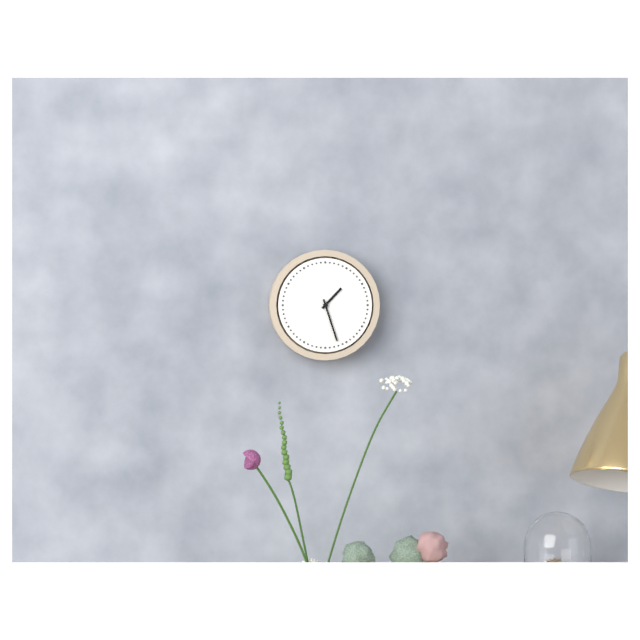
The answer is 1:27
